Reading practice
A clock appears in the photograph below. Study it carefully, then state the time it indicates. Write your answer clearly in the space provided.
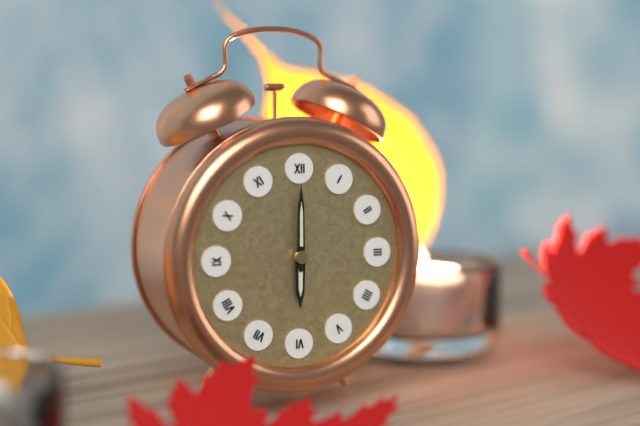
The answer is 6:00
